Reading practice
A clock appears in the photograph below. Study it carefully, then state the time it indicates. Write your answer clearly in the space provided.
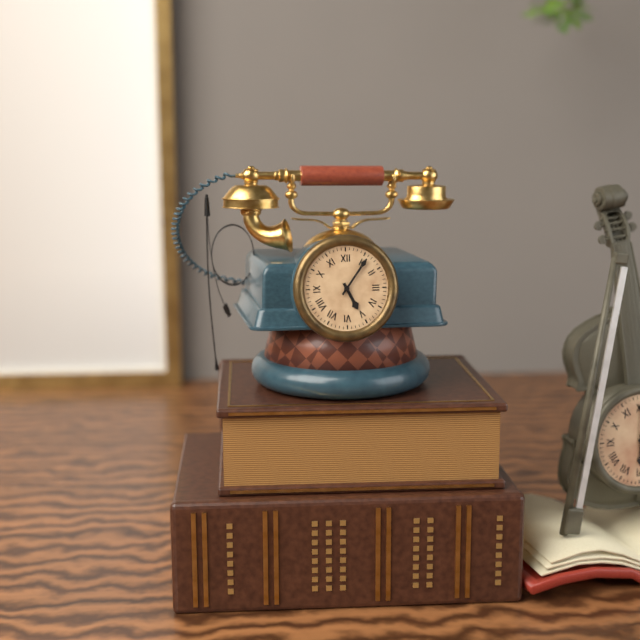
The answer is 5:06
